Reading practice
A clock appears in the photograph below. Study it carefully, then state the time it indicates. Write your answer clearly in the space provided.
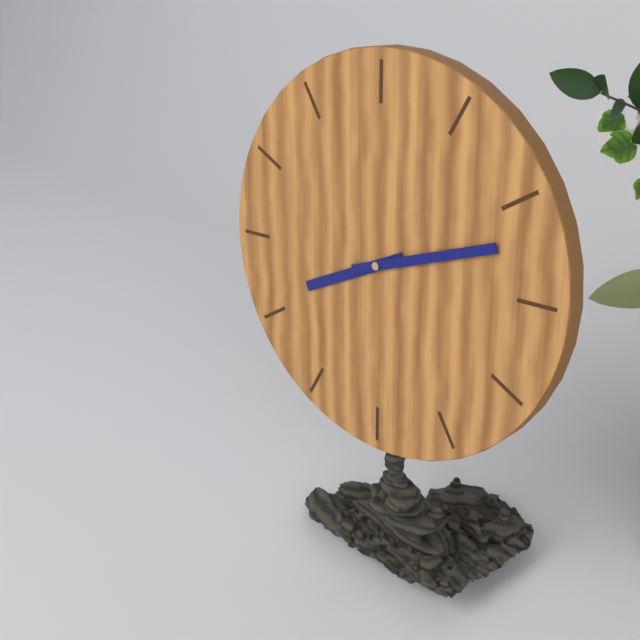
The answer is 8:12
